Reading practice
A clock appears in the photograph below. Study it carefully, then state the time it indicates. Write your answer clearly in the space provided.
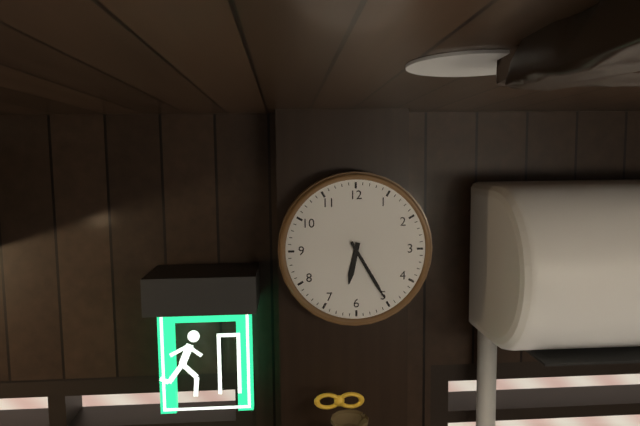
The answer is 6:25
